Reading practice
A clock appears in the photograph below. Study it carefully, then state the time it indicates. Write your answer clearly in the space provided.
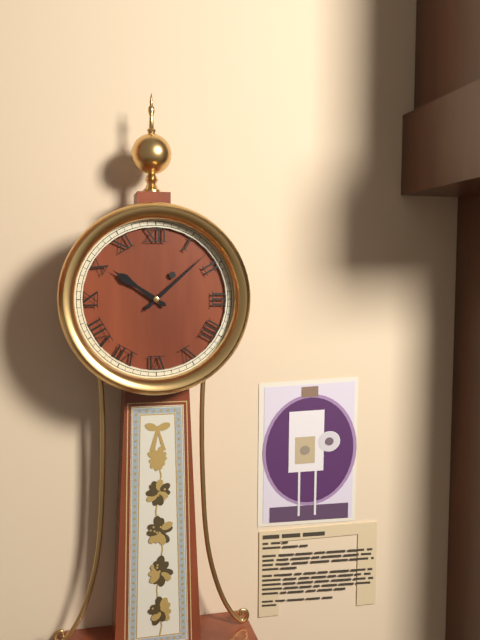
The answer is 10:08
